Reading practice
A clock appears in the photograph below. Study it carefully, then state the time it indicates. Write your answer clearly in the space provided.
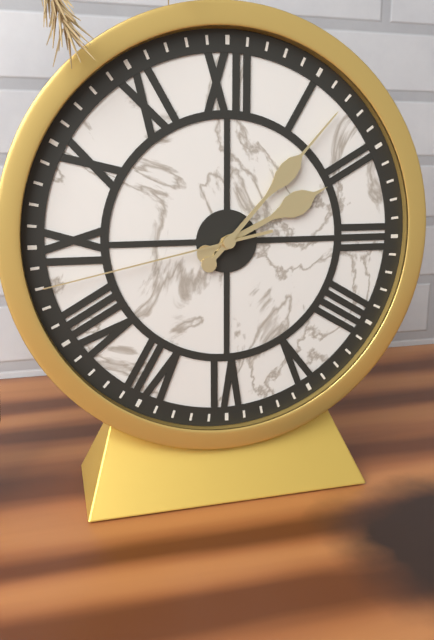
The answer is 2:07:43
